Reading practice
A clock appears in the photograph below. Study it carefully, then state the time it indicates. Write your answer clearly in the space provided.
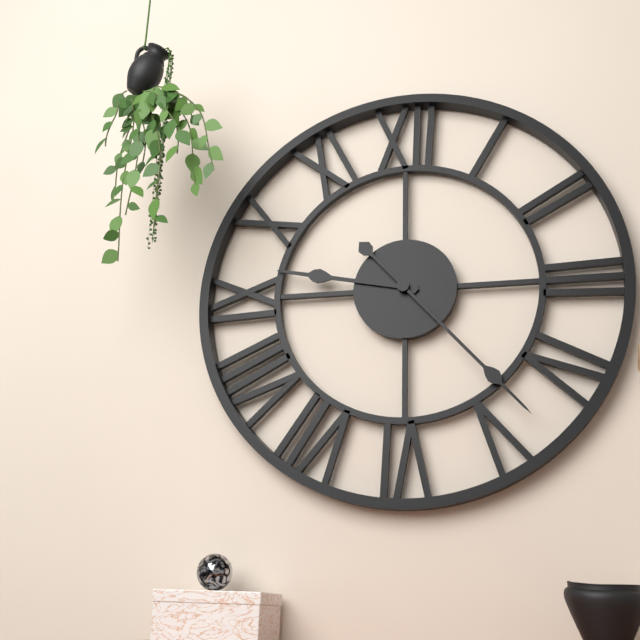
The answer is 9:23
